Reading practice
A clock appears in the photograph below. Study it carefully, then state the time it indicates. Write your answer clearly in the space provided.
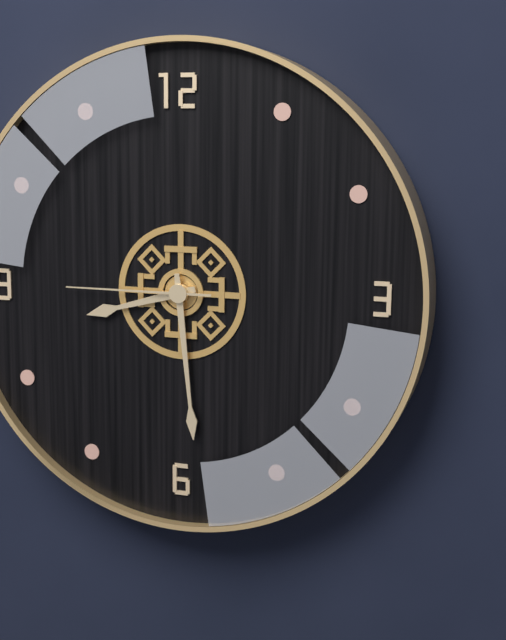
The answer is 8:29:45
